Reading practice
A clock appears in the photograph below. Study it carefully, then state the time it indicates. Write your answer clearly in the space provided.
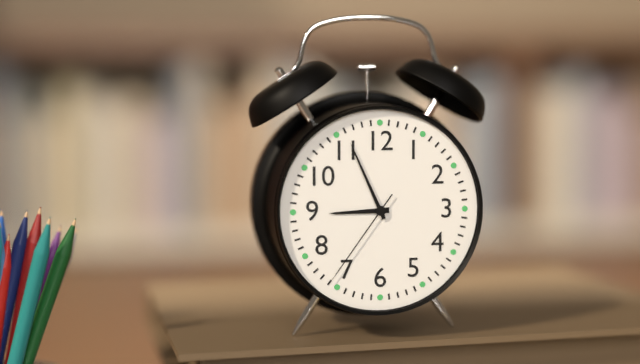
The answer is 8:56:36
